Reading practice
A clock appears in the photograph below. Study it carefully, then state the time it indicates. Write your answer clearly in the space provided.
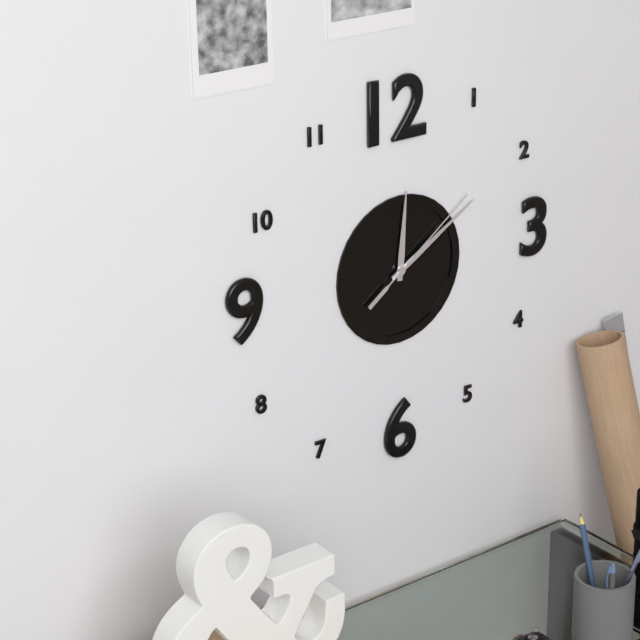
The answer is 12:10:09
